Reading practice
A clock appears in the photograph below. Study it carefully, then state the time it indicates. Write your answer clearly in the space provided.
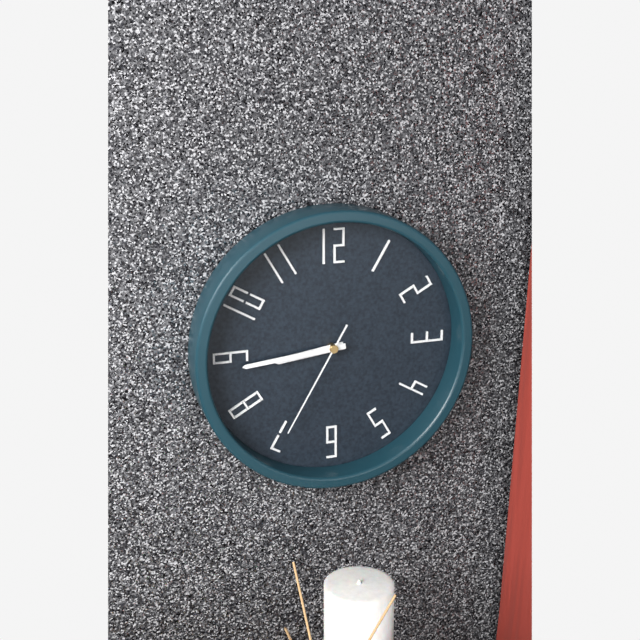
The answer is 8:44:35
